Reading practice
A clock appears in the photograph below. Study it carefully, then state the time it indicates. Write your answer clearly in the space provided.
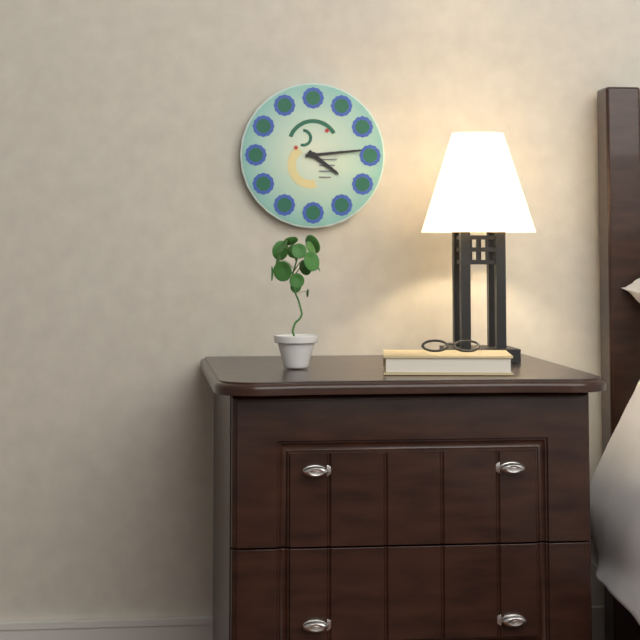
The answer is 4:14
